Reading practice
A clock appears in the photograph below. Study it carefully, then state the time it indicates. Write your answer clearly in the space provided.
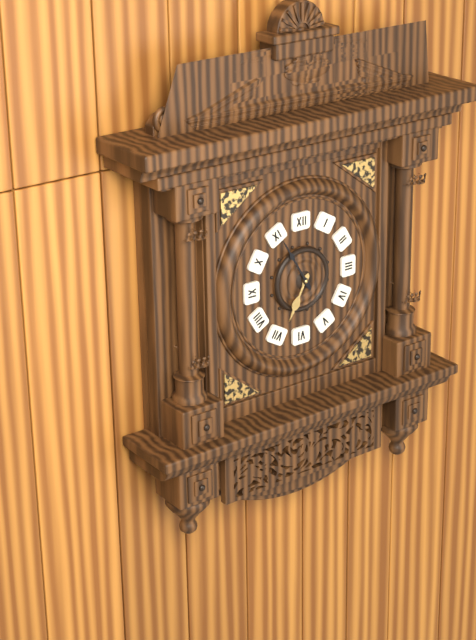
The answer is 6:55
